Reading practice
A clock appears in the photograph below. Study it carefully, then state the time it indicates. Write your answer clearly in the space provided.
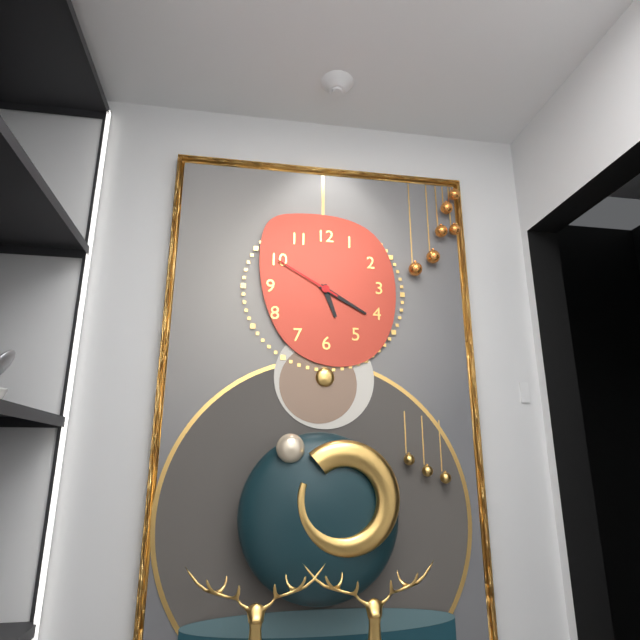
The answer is 5:20:50
